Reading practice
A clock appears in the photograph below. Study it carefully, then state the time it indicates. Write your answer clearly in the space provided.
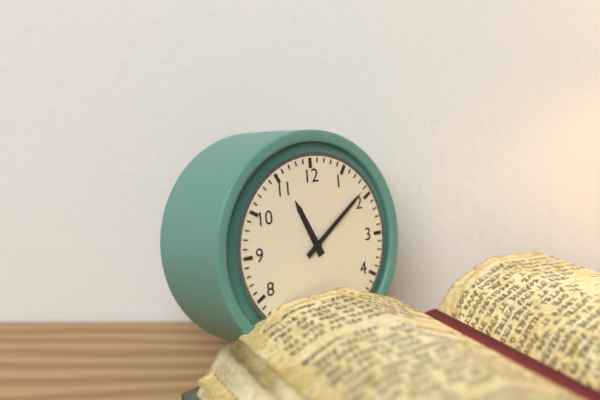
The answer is 11:09
